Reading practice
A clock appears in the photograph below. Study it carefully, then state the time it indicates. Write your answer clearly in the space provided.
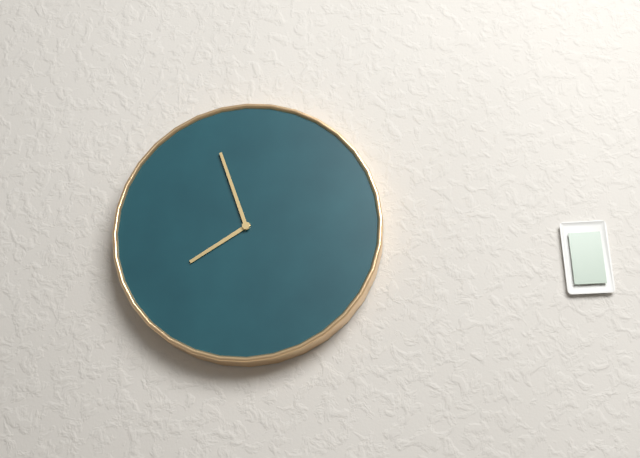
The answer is 7:57
